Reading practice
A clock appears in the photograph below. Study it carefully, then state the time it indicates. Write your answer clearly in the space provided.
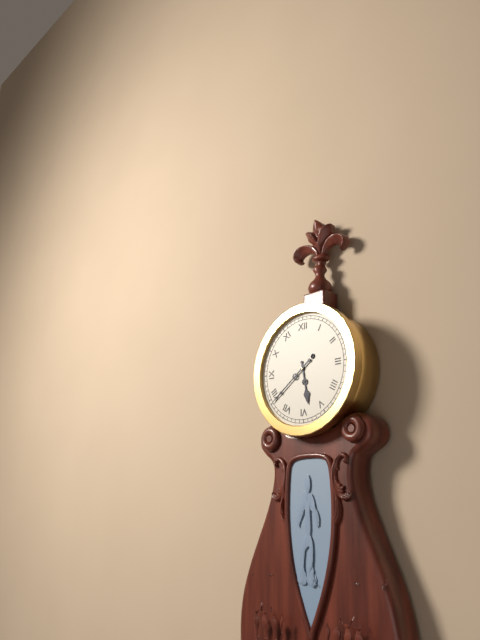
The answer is 5:39
